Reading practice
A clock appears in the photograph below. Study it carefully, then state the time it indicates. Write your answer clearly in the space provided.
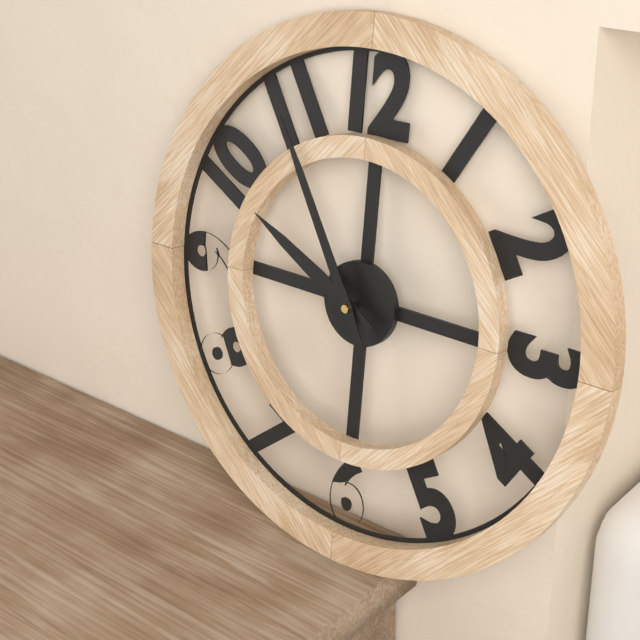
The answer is 9:55
